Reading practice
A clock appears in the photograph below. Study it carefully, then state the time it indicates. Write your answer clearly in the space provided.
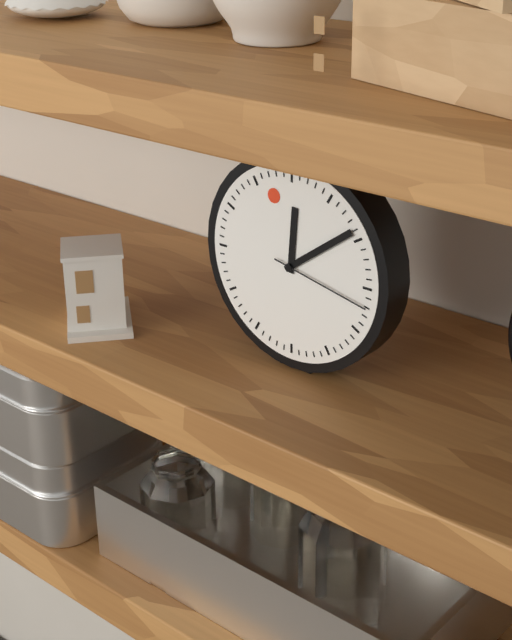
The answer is 12:09:17
